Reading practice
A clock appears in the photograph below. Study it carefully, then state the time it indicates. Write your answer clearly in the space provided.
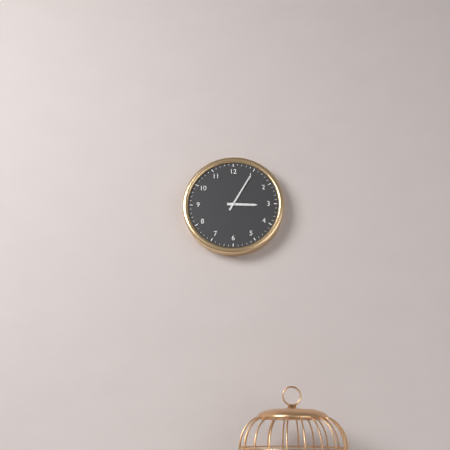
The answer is 3:05
